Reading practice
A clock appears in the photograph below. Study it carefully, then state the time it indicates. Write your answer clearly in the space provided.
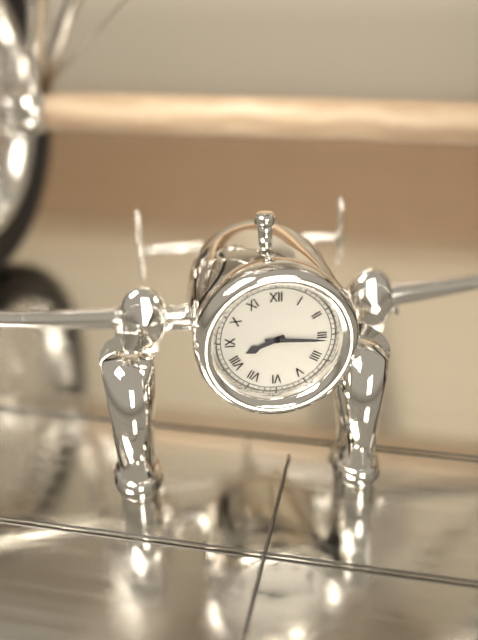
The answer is 8:16
